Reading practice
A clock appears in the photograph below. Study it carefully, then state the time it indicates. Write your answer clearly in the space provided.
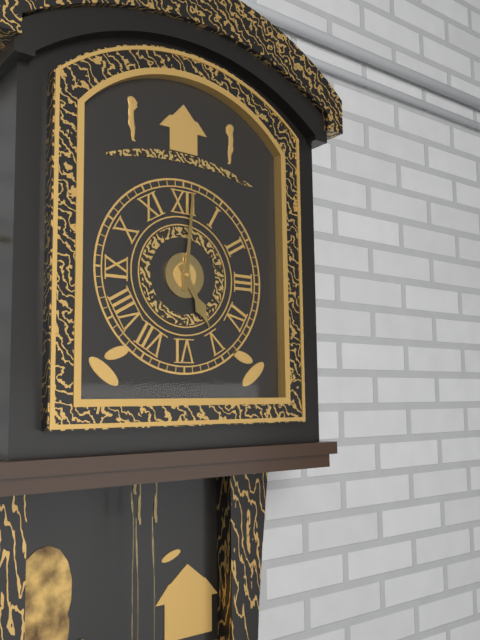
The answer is 5:01
